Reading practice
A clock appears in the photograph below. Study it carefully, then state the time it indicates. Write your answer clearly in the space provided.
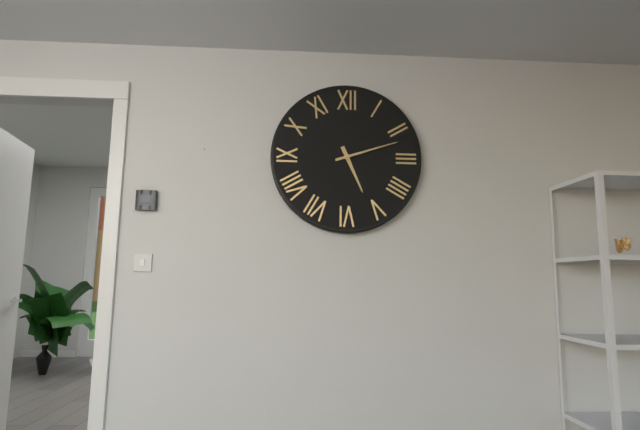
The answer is 5:12
